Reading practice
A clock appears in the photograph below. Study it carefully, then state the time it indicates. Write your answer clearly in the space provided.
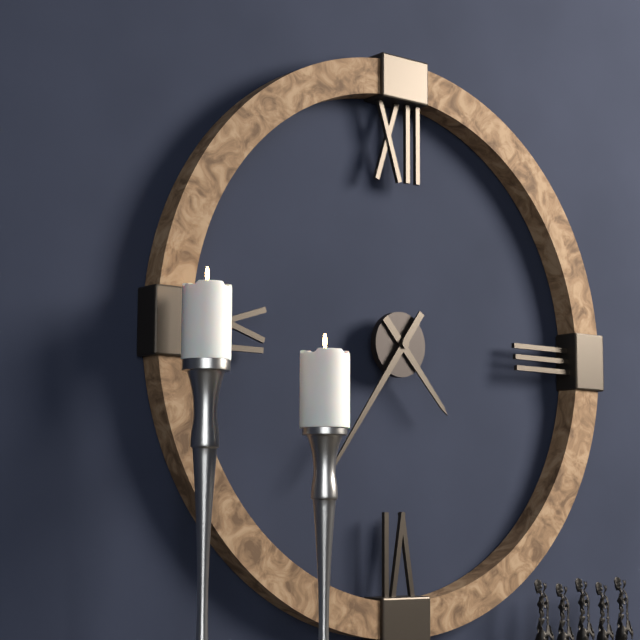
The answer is 4:36
